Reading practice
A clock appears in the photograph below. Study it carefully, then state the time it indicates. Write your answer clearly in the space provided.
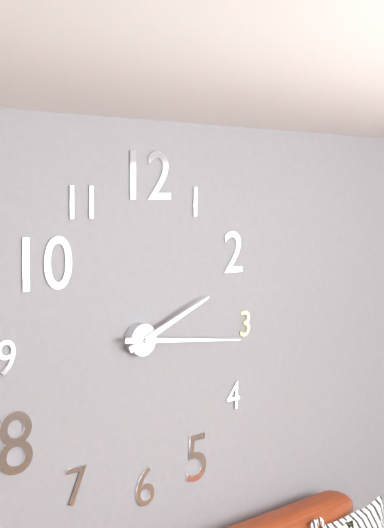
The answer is 2:16
